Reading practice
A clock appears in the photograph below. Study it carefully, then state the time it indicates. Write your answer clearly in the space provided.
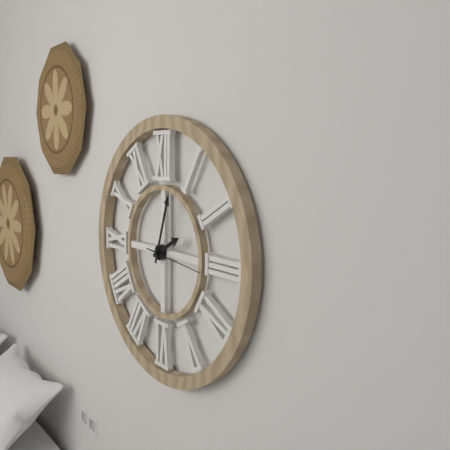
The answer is 2:03
